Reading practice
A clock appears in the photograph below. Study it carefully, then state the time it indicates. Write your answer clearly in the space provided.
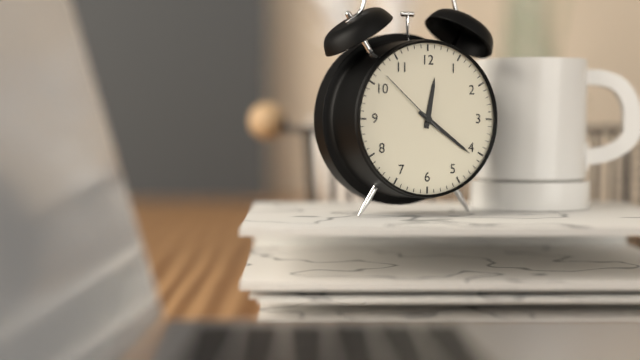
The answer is 12:21:52
